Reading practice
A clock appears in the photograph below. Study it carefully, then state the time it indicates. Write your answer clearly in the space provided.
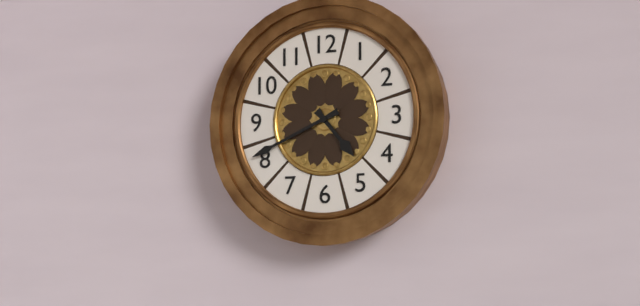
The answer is 4:41
